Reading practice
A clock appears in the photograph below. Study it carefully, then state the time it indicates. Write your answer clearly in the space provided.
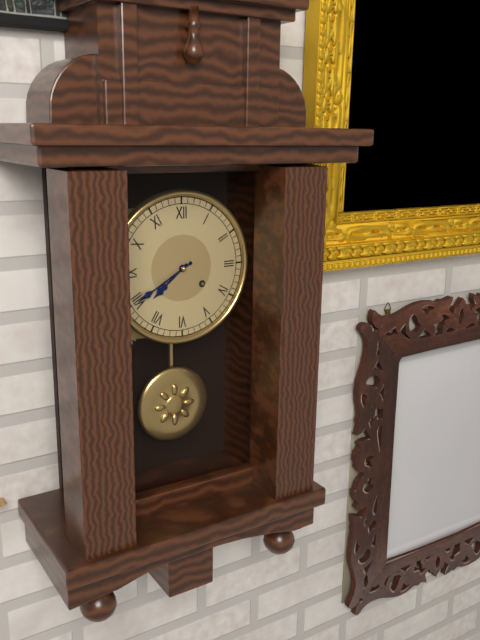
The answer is 7:40
